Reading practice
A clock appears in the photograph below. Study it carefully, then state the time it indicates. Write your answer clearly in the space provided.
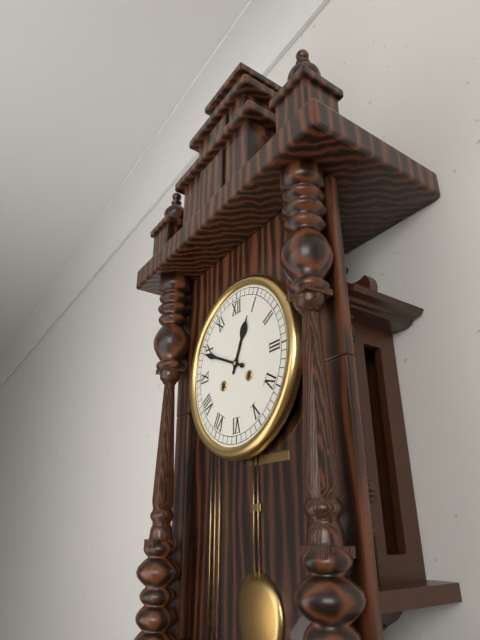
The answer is 12:49
